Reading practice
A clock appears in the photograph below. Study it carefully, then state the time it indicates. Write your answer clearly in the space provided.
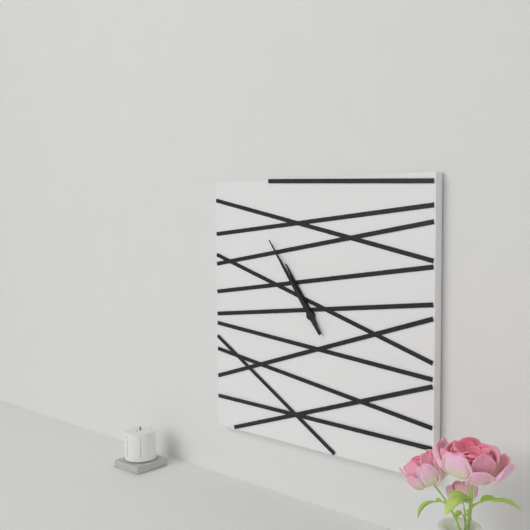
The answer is 10:54
